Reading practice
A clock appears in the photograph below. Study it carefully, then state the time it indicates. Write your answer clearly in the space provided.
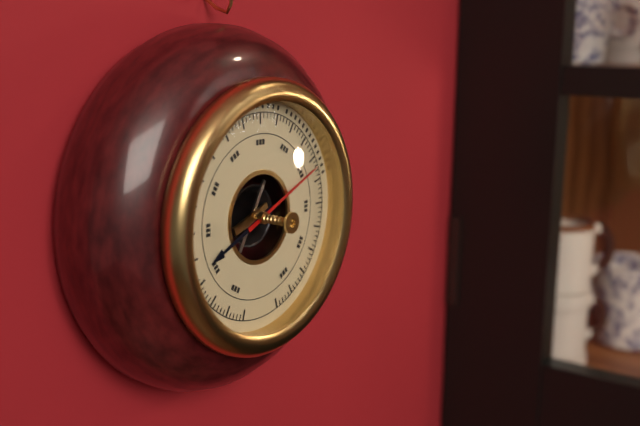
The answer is 8:11
